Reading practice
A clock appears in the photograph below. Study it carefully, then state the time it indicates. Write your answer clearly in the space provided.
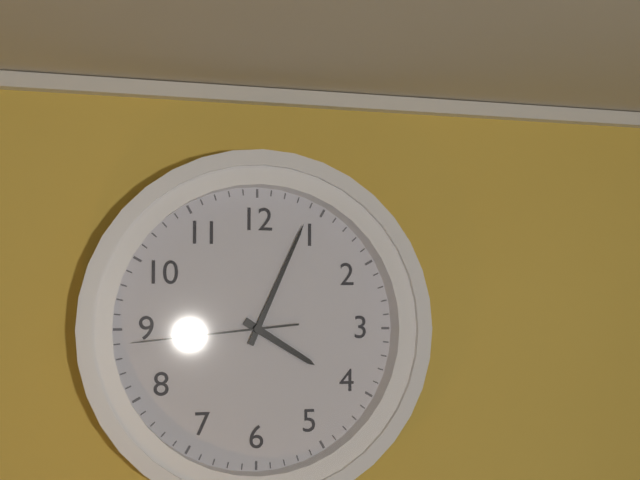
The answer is 4:04:44
